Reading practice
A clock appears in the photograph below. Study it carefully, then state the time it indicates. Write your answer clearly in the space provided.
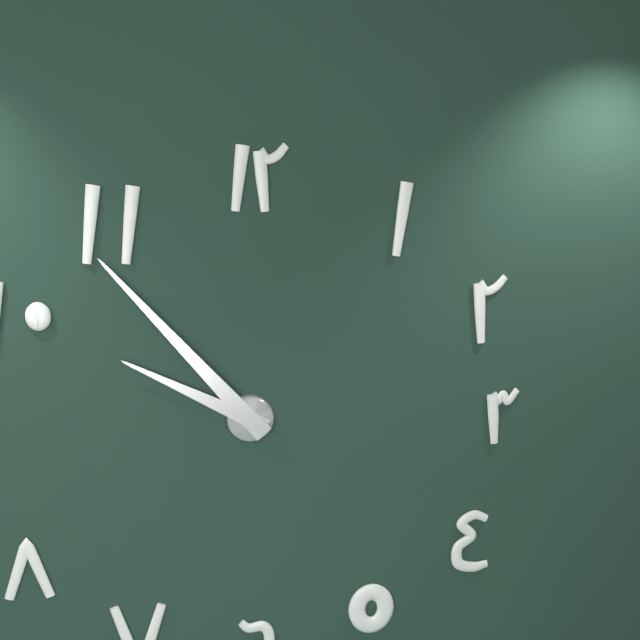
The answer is 9:53
